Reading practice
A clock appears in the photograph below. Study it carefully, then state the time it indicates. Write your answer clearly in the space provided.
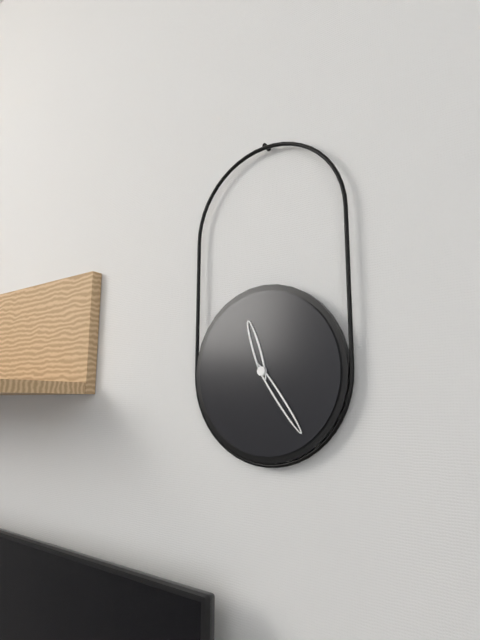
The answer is 11:24
